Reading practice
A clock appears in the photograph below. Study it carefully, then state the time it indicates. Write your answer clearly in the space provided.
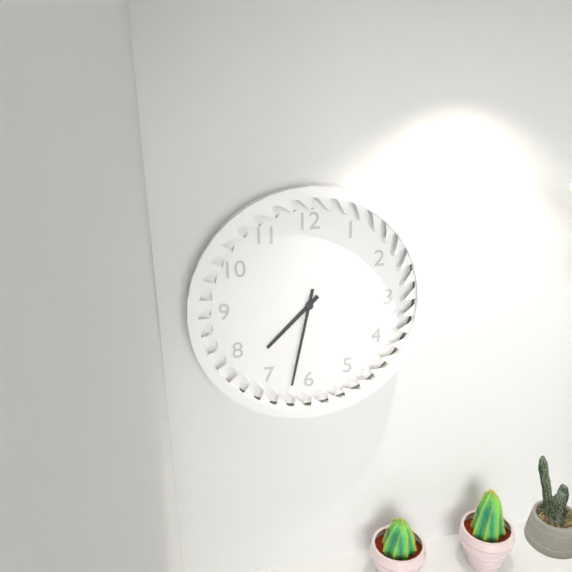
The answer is 7:32
